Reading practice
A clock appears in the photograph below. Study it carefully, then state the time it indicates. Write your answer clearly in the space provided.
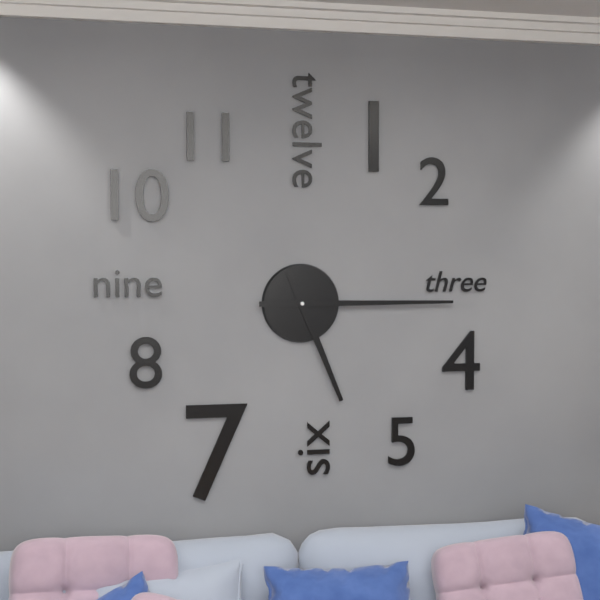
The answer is 5:15
